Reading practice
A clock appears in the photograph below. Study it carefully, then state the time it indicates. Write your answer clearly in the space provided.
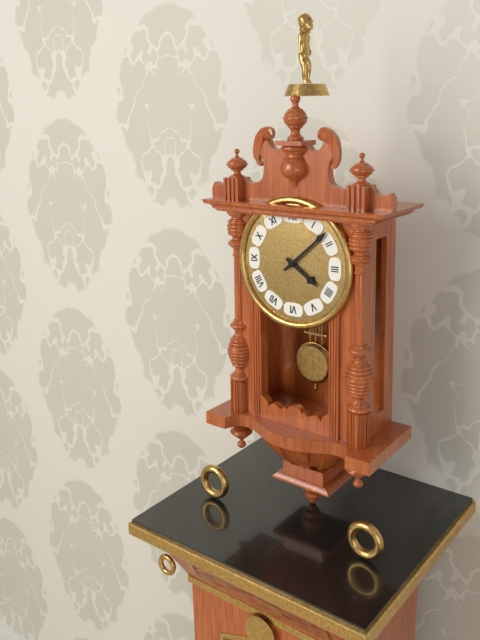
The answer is 4:08
